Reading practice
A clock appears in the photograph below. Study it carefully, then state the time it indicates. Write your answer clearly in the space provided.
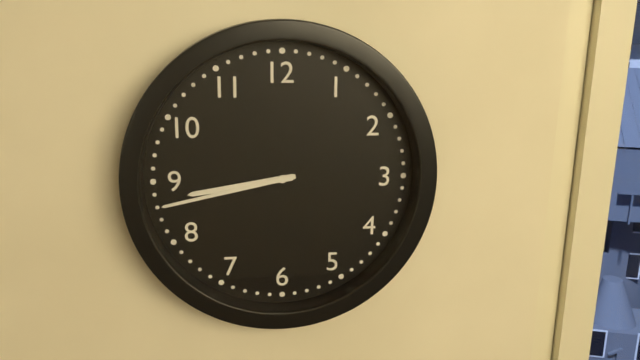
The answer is 8:43
